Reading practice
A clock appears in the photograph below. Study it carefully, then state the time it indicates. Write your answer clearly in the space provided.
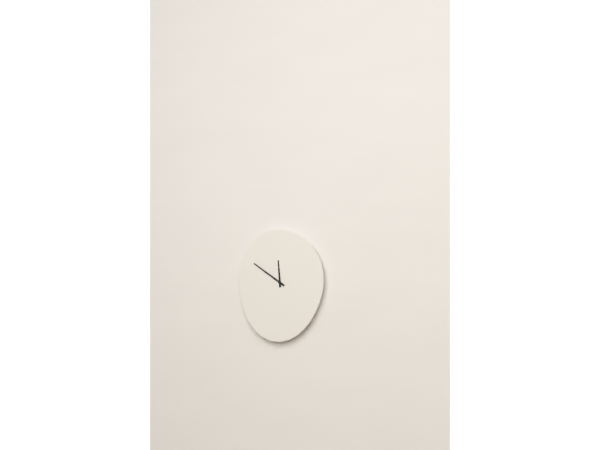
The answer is 11:51
